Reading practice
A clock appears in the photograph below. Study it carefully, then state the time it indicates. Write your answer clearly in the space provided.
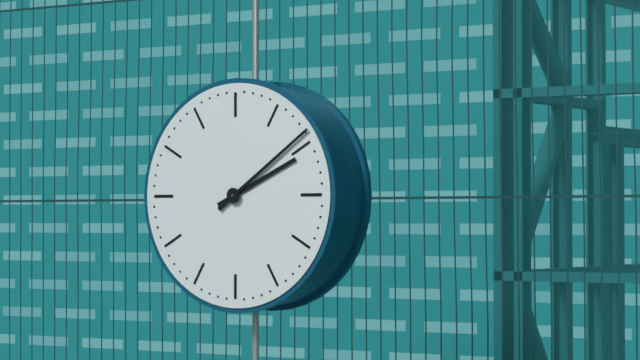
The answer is 2:09
